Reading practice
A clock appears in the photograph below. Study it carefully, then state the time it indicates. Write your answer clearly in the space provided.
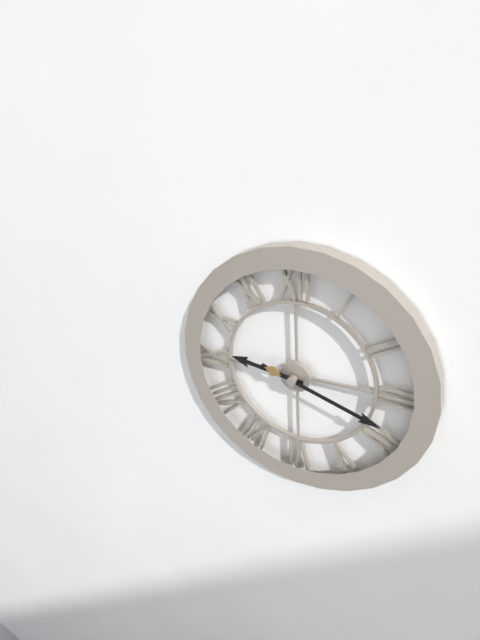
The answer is 9:18
